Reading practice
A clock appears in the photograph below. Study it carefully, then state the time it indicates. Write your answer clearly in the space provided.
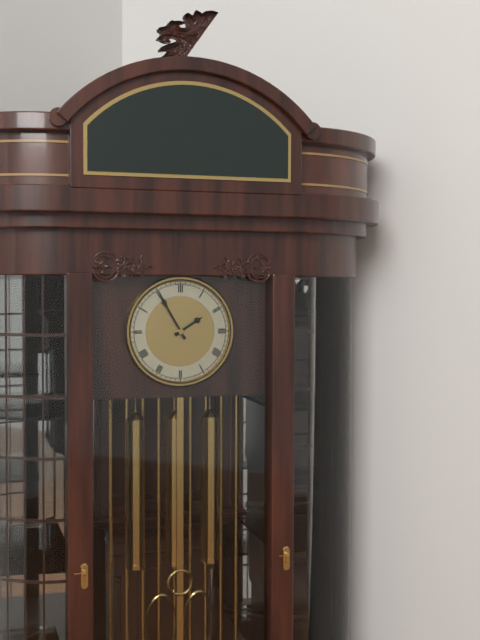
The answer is 1:55
